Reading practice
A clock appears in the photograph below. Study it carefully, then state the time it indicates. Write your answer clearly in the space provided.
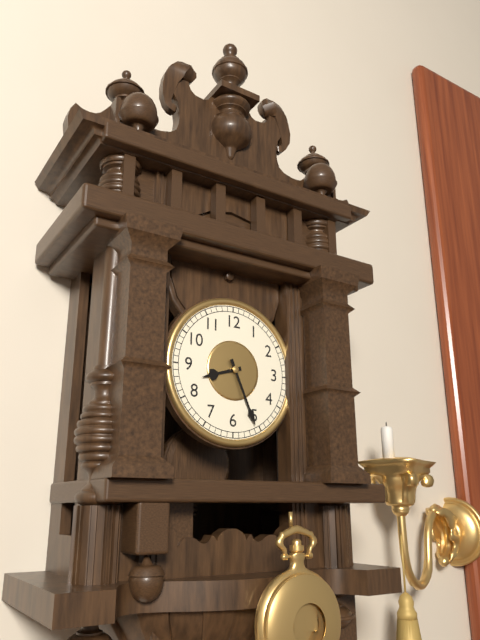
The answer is 8:26
